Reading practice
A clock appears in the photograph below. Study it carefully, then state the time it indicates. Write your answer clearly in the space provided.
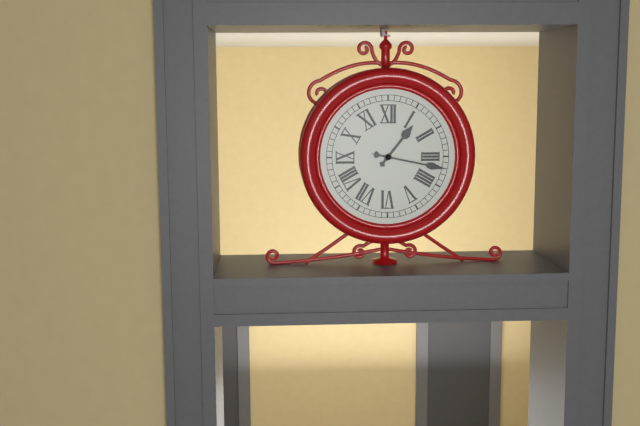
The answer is 1:17
